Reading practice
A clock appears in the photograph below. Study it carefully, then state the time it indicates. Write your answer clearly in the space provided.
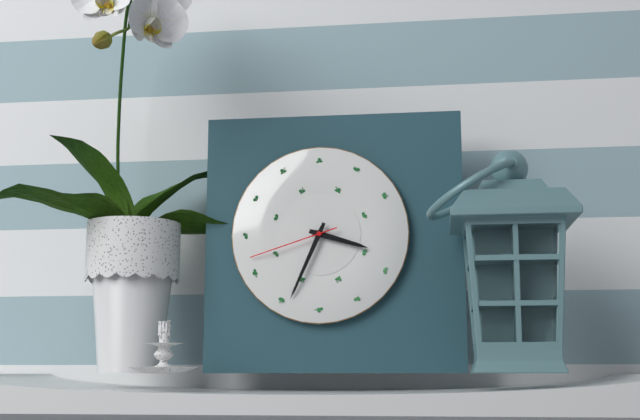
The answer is 3:34:42
